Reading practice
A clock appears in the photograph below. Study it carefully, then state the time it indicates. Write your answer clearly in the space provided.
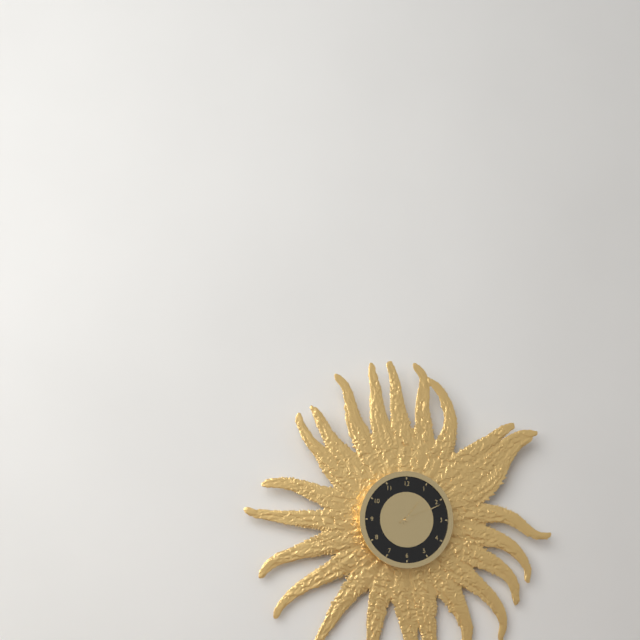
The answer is 1:11
